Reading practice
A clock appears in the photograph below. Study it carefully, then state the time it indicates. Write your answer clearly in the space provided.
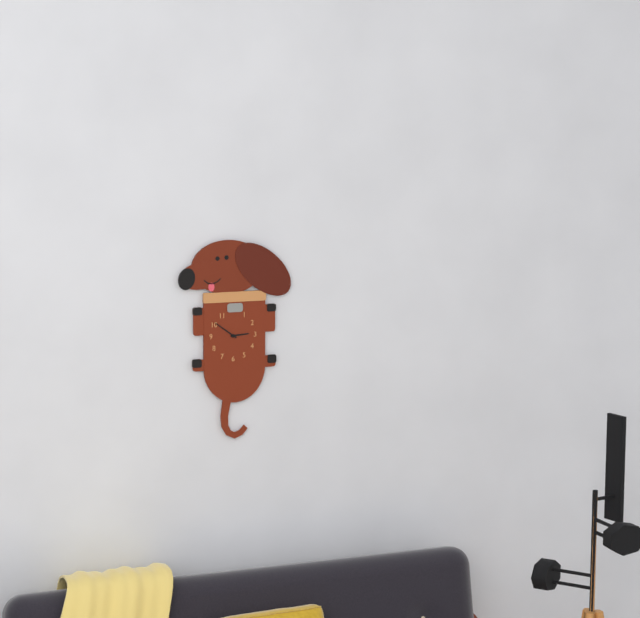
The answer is 2:51
